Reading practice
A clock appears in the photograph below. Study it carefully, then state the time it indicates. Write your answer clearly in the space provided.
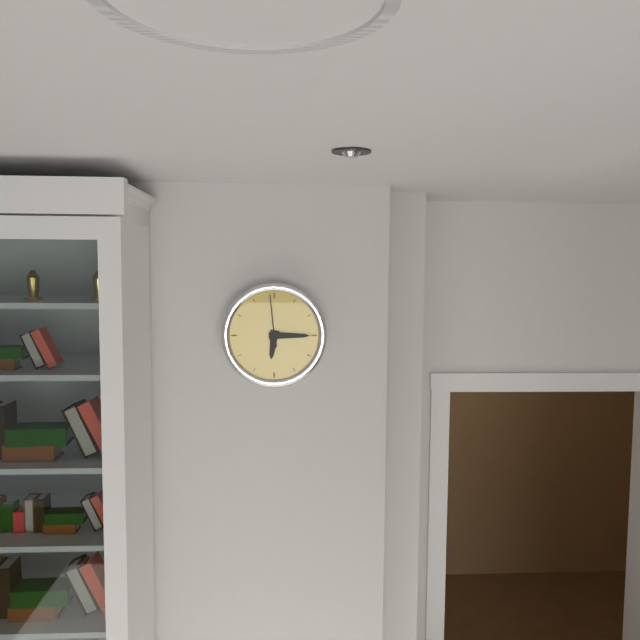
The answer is 6:15:59
